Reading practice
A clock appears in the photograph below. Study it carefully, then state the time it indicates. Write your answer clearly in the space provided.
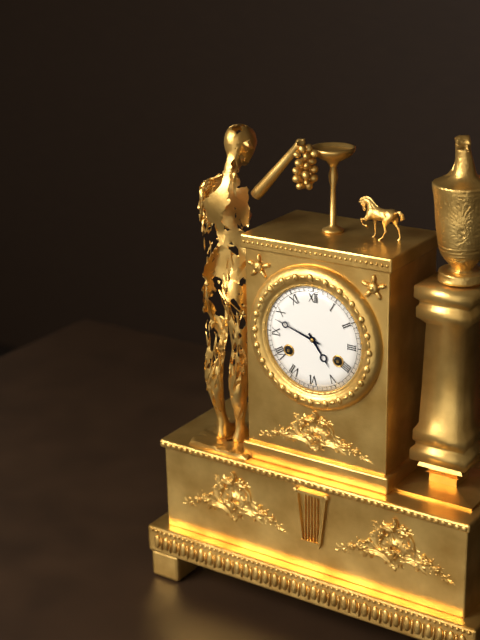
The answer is 4:48
